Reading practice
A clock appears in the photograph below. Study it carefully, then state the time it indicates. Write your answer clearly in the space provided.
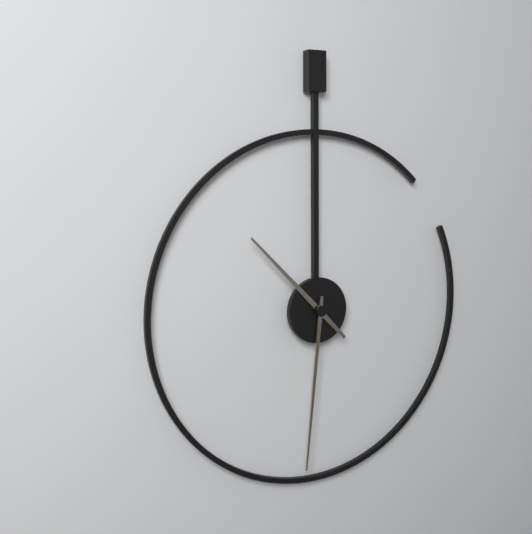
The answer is 10:31
